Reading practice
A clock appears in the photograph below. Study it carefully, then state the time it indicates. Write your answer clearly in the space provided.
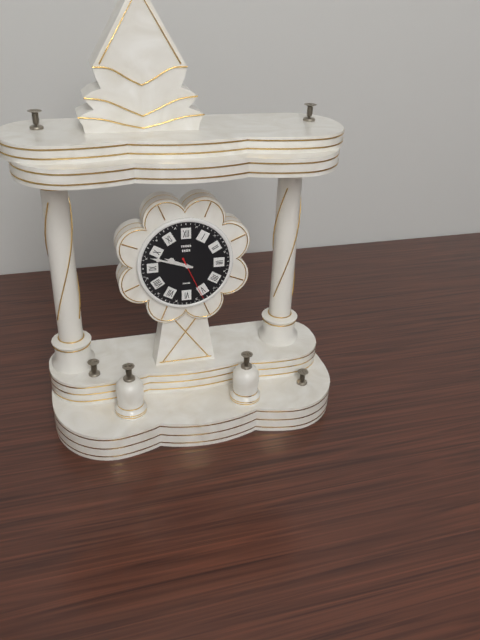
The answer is 9:48
